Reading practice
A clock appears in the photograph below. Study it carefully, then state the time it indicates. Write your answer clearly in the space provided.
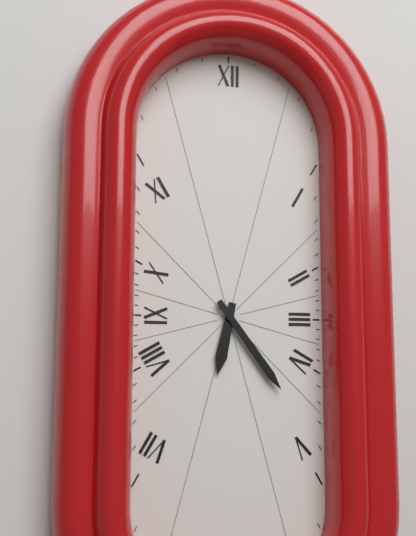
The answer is 6:24
